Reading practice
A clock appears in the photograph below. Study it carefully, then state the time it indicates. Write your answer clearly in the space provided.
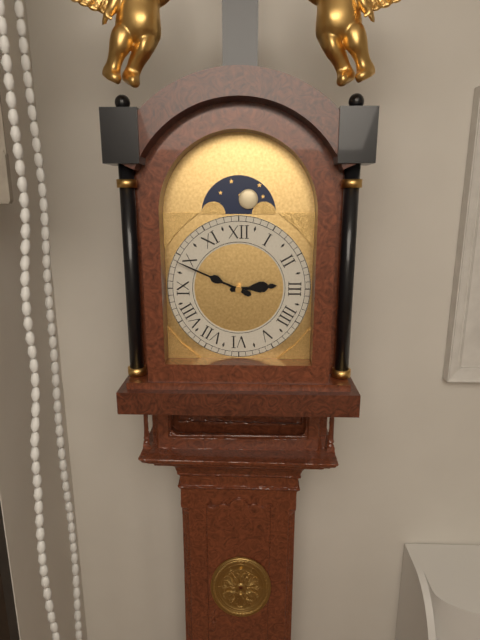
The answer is 2:49
